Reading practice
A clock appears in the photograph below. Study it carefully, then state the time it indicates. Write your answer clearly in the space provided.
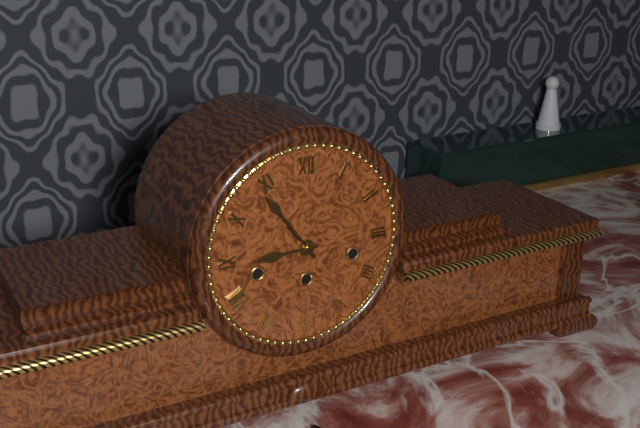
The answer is 8:54
